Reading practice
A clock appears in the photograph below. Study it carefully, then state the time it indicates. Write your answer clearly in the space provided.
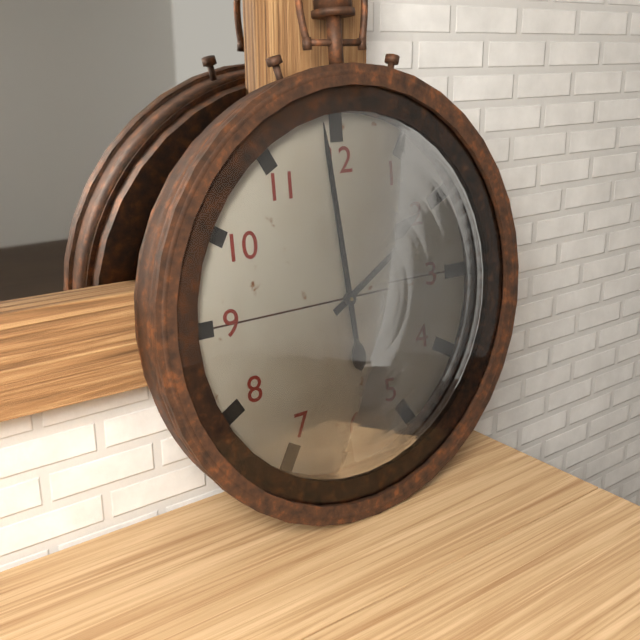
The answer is 1:59
